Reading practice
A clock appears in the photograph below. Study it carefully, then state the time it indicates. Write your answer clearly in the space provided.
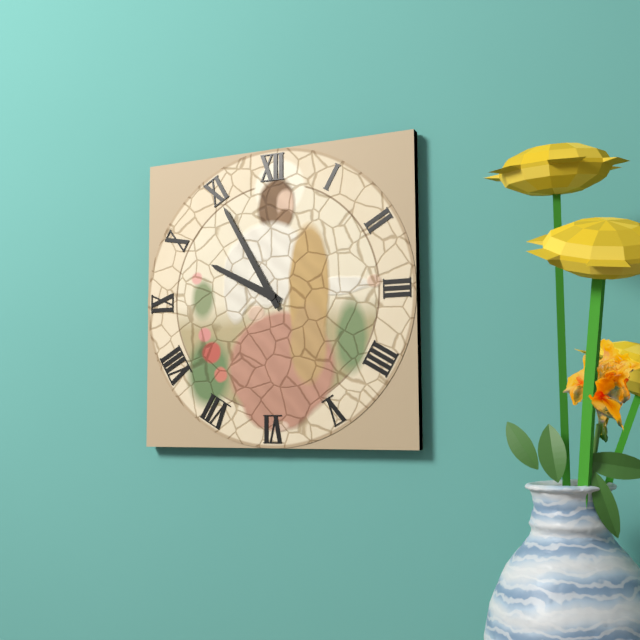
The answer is 9:55
